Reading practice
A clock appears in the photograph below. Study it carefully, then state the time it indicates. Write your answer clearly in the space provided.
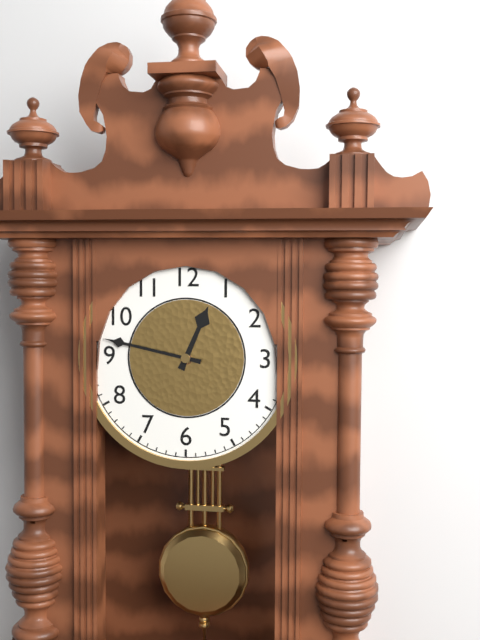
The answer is 12:47
